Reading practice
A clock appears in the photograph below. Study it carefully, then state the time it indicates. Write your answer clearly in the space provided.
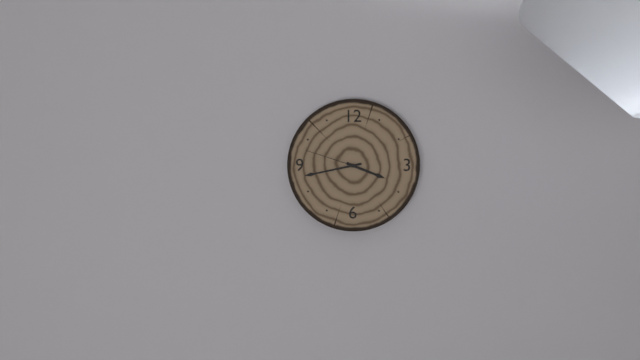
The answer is 3:43:48
